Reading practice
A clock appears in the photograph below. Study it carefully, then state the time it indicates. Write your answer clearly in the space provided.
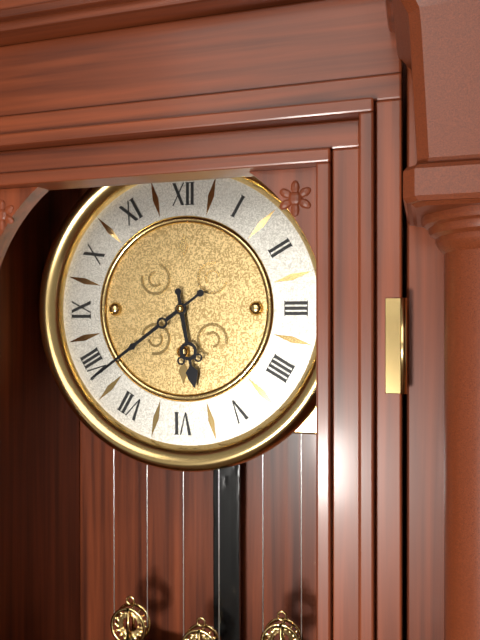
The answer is 5:39
